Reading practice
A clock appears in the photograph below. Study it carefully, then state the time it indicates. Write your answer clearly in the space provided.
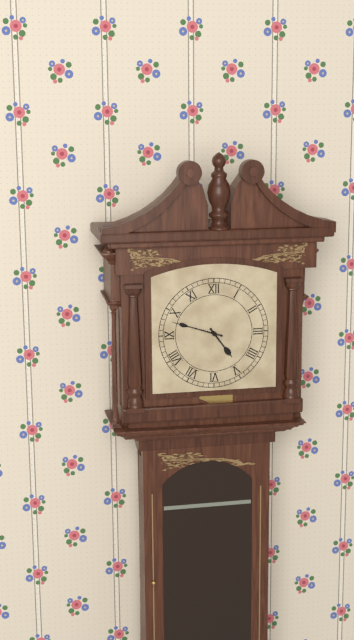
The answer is 4:48
